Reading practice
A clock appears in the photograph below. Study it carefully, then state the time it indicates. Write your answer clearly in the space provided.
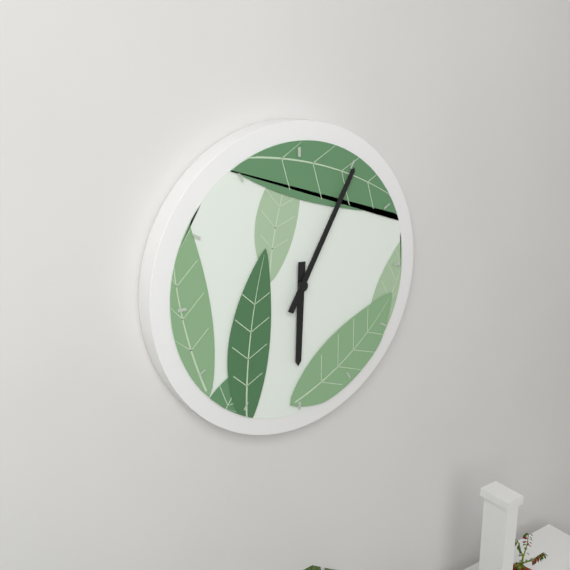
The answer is 6:05
